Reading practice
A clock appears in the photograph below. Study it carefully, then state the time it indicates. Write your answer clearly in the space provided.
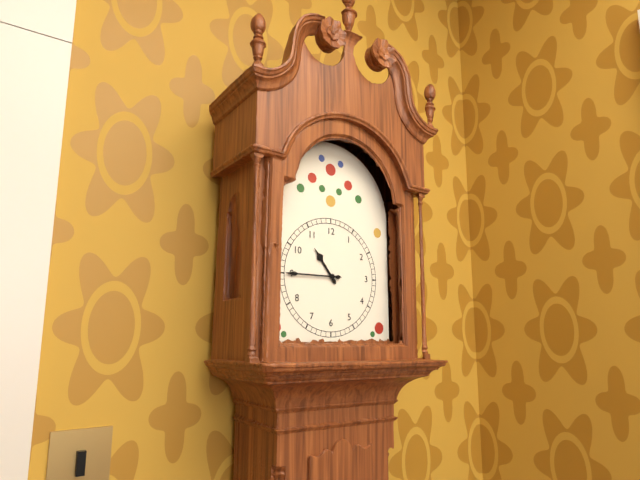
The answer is 10:45
